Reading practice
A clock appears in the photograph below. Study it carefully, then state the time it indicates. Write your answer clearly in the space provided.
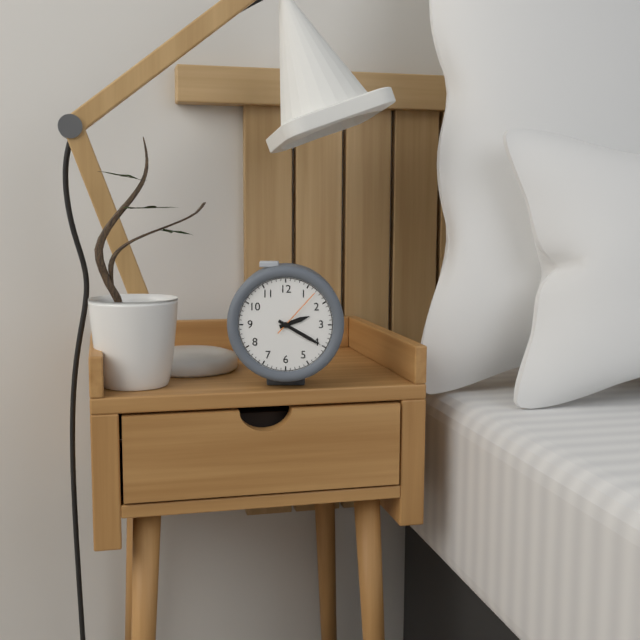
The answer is 2:20:07
